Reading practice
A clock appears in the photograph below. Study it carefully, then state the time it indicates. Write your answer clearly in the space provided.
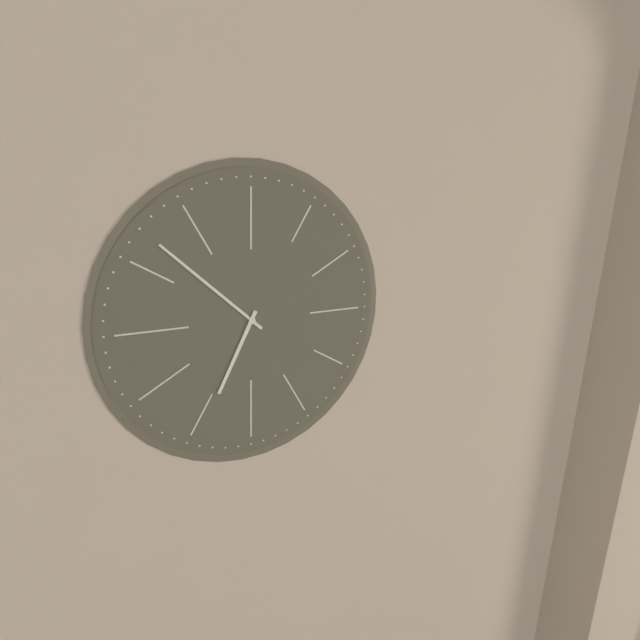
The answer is 6:52
